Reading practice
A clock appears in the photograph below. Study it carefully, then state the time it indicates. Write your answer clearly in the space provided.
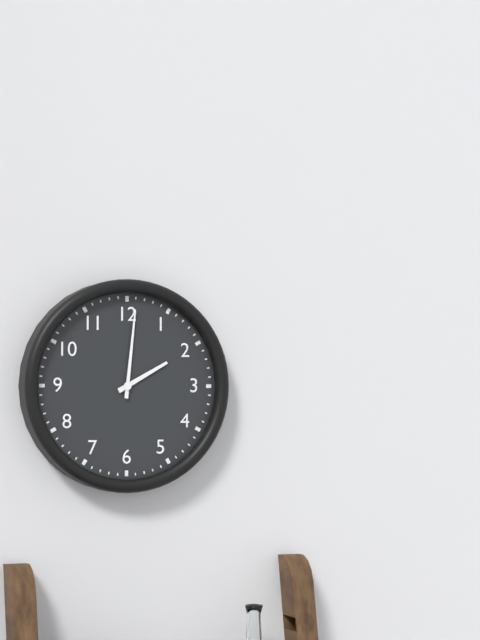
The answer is 2:01
